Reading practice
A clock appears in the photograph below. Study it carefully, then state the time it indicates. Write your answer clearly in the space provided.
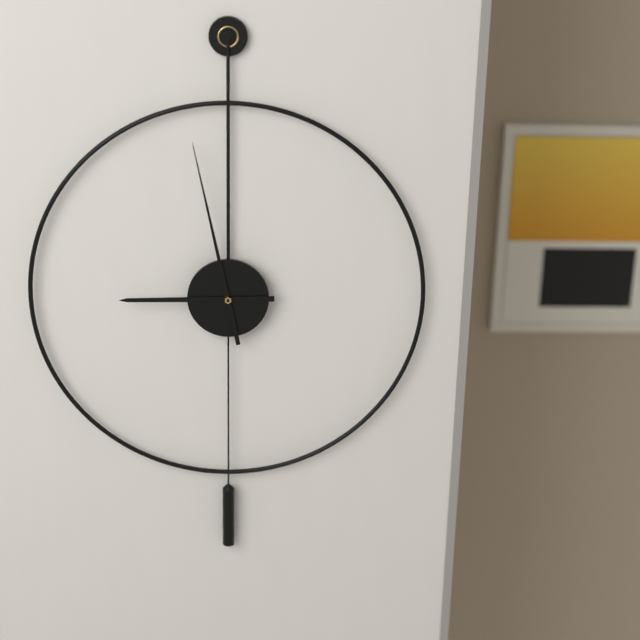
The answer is 8:58
